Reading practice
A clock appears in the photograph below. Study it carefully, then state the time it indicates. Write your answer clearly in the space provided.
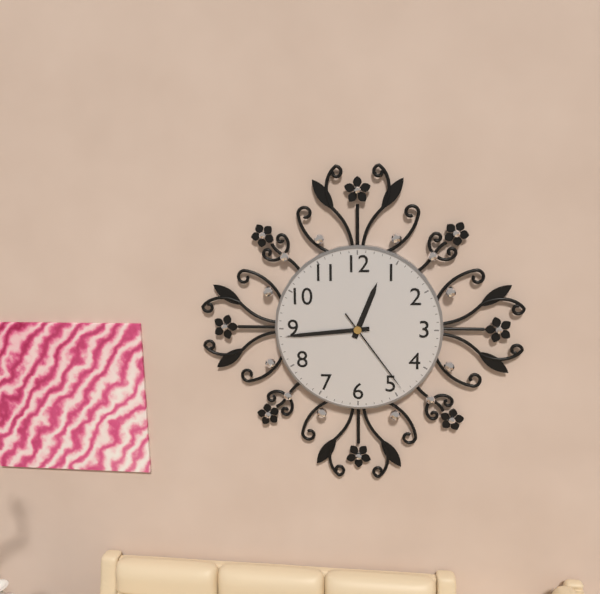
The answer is 12:44:24
